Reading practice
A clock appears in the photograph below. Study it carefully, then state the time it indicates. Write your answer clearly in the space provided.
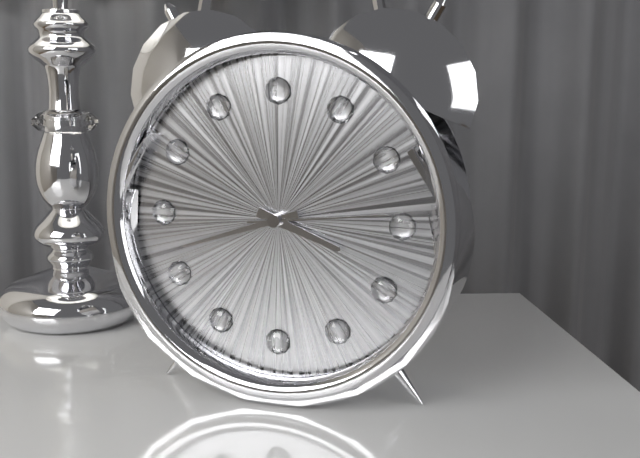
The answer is 3:42:14
